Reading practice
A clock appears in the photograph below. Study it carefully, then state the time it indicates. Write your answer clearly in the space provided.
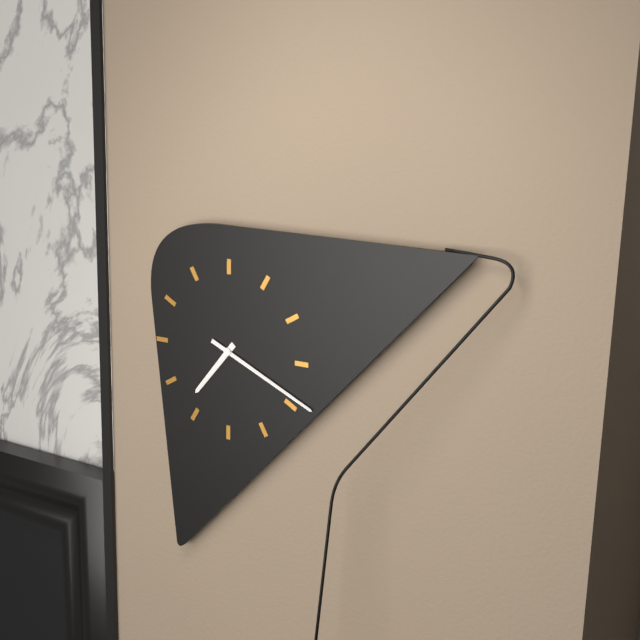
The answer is 7:19
